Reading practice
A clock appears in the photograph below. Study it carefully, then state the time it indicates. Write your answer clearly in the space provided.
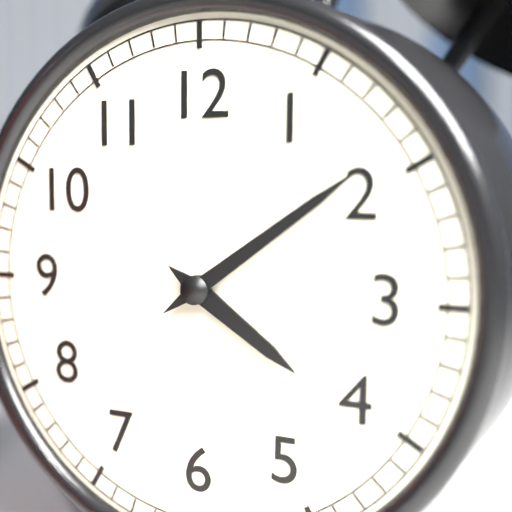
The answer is 4:09
